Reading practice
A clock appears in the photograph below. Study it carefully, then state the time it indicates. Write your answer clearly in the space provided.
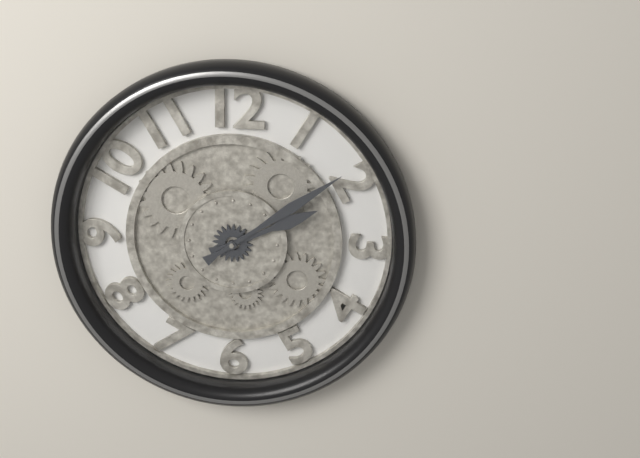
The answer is 2:09
